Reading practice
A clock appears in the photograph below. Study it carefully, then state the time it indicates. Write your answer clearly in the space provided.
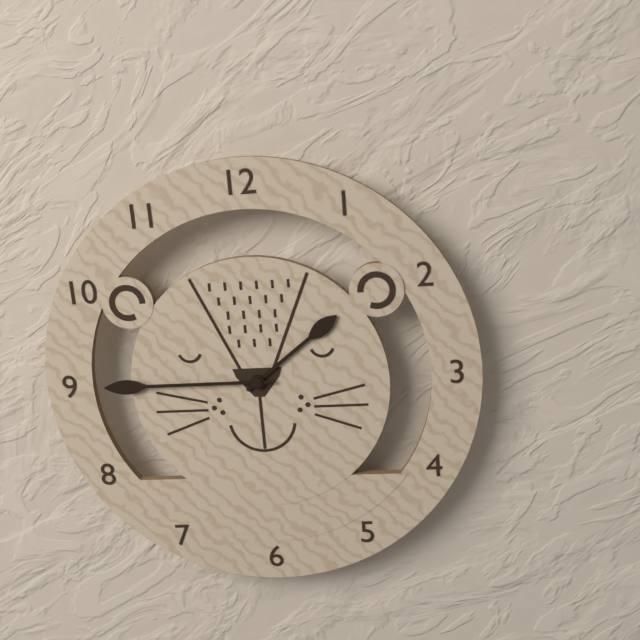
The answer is 1:45
